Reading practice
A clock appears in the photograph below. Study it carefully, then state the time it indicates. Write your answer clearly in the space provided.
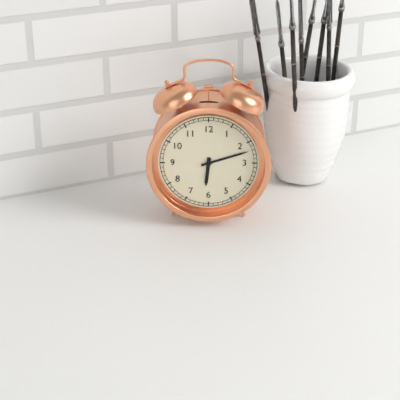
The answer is 6:12
